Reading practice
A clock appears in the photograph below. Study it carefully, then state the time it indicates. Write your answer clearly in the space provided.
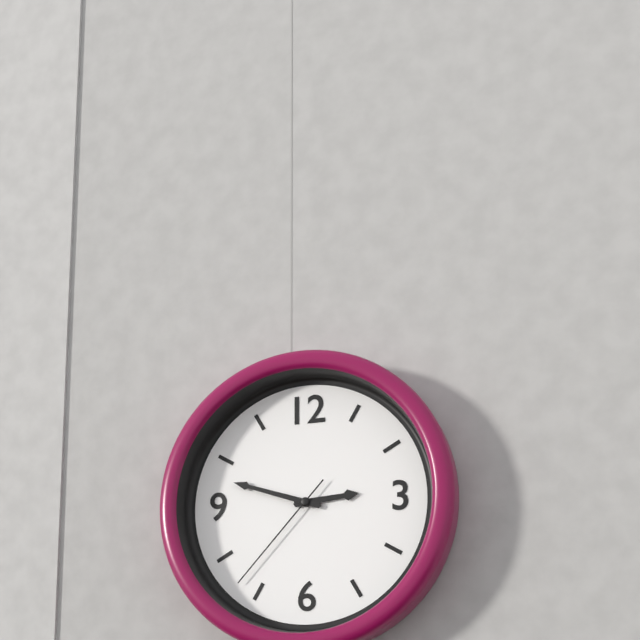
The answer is 2:48:37
